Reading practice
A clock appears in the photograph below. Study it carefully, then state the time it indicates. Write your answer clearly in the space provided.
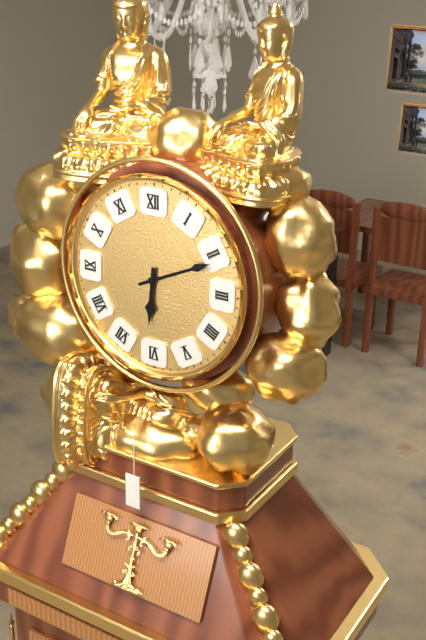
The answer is 6:11
